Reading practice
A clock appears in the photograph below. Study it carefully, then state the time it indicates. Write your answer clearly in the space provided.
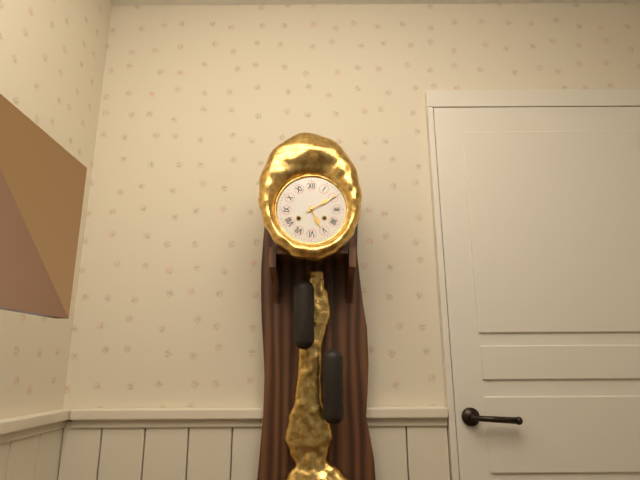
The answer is 5:10
